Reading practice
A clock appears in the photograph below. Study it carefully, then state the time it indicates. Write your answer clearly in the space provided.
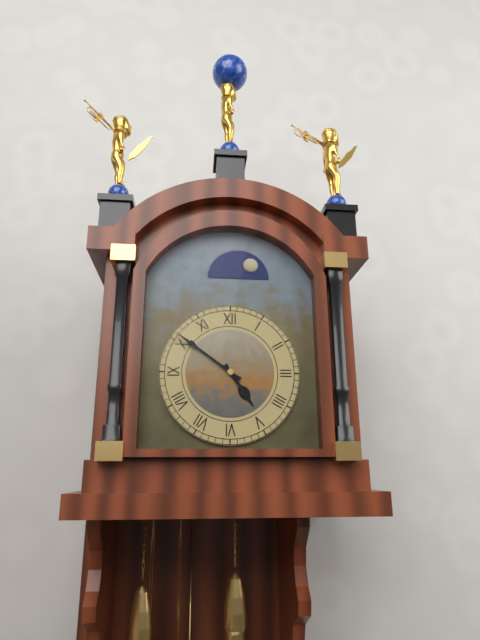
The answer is 4:51
